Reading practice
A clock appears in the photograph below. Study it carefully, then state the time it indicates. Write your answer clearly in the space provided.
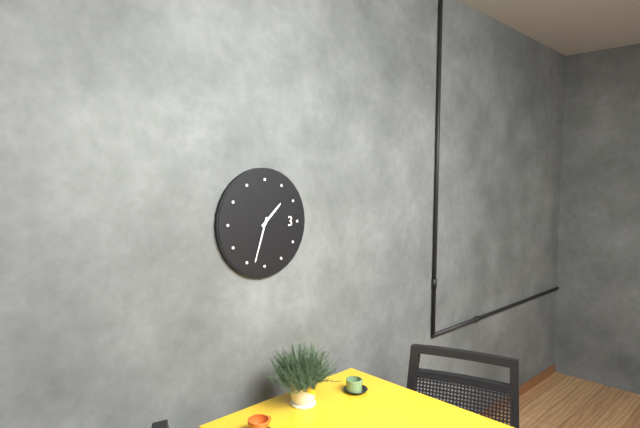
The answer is 1:33
